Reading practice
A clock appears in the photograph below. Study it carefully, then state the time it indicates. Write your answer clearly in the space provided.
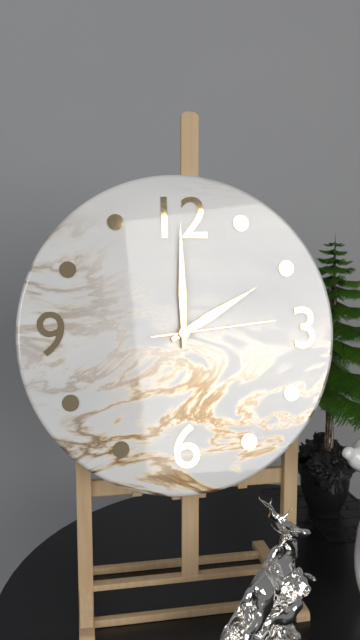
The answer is 2:00:14
